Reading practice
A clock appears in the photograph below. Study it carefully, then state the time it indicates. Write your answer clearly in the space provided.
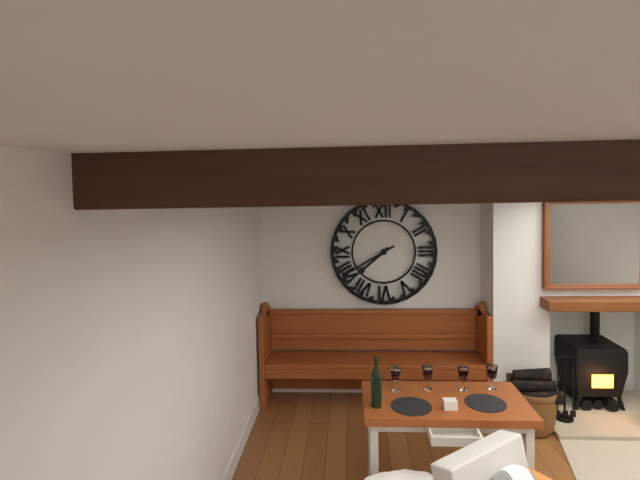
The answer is 7:40
